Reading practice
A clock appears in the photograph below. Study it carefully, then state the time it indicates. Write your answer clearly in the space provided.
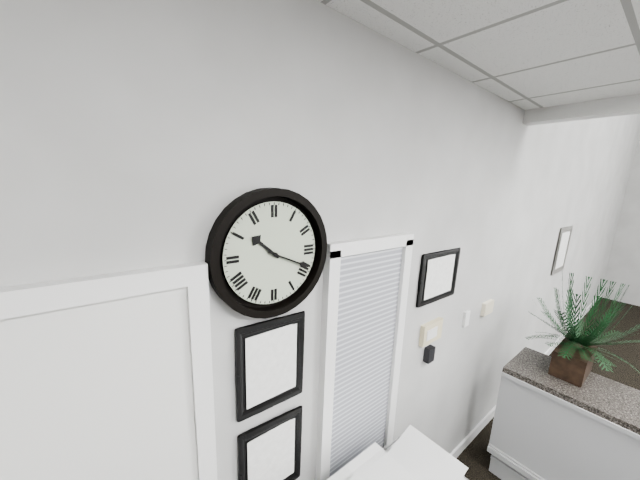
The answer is 10:19
